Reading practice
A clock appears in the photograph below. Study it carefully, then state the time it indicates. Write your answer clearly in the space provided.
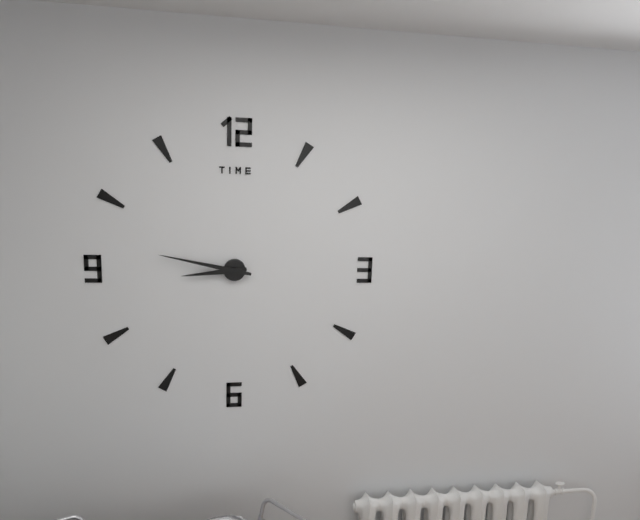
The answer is 8:47
